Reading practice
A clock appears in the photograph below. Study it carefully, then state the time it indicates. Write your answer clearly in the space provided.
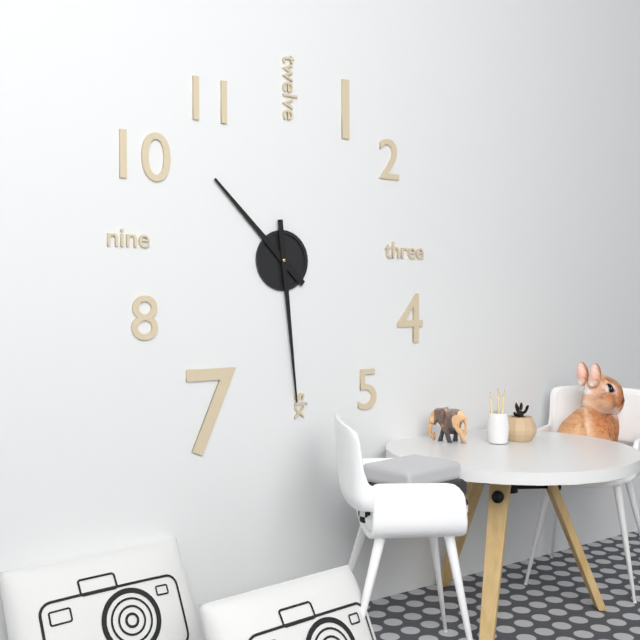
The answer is 10:29
